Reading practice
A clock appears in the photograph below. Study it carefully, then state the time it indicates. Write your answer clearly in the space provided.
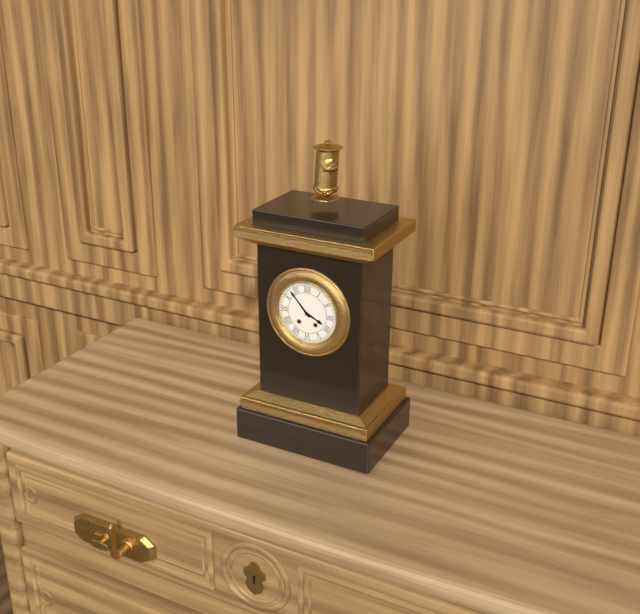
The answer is 3:53
